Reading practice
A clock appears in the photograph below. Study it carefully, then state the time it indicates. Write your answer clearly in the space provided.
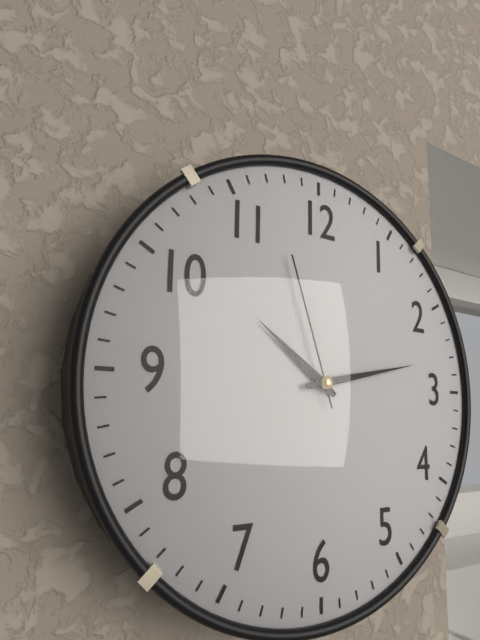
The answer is 10:13:57
